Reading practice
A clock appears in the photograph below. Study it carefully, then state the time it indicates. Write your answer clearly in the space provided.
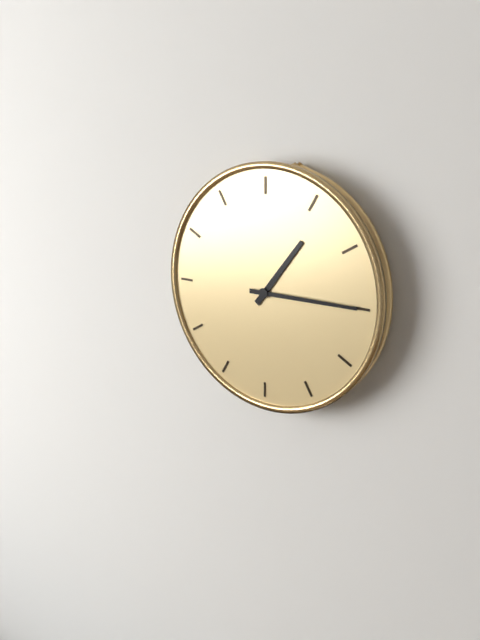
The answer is 1:15
